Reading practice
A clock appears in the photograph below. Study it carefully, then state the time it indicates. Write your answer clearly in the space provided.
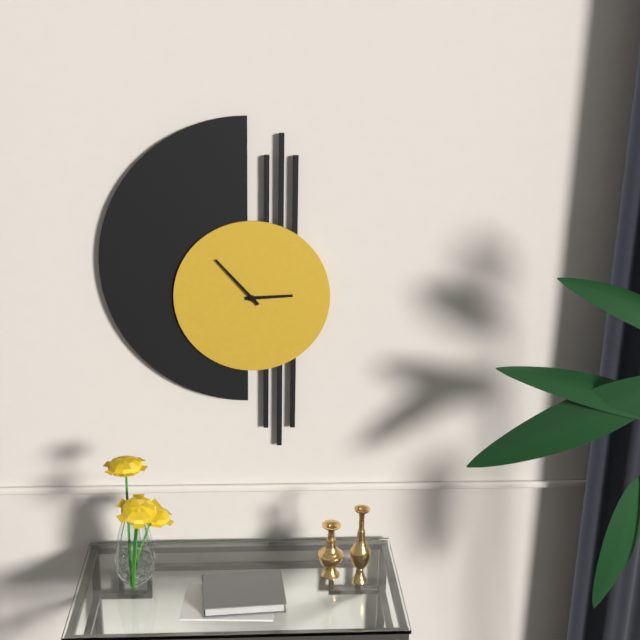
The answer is 2:53
